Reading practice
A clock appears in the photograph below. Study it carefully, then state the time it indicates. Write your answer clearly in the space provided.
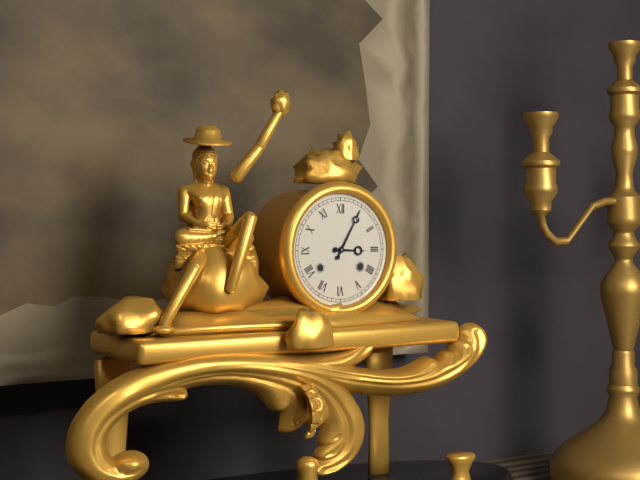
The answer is 3:05
